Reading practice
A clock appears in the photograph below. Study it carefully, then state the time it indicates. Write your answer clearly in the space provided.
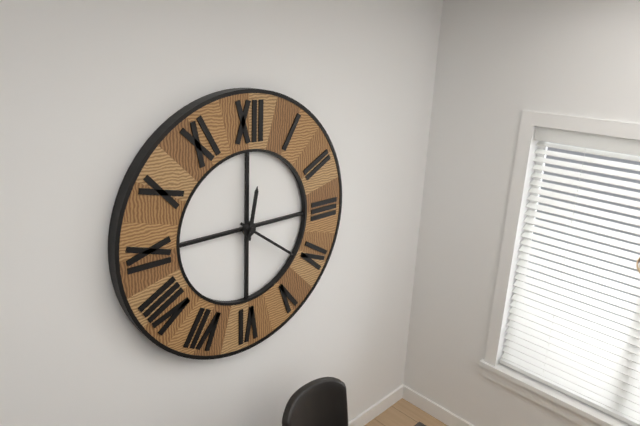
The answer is 12:21
